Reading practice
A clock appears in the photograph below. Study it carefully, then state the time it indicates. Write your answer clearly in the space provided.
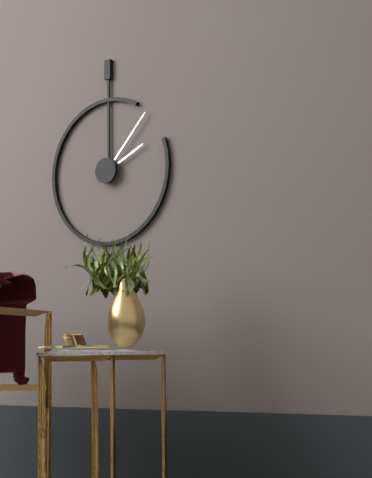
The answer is 2:07
